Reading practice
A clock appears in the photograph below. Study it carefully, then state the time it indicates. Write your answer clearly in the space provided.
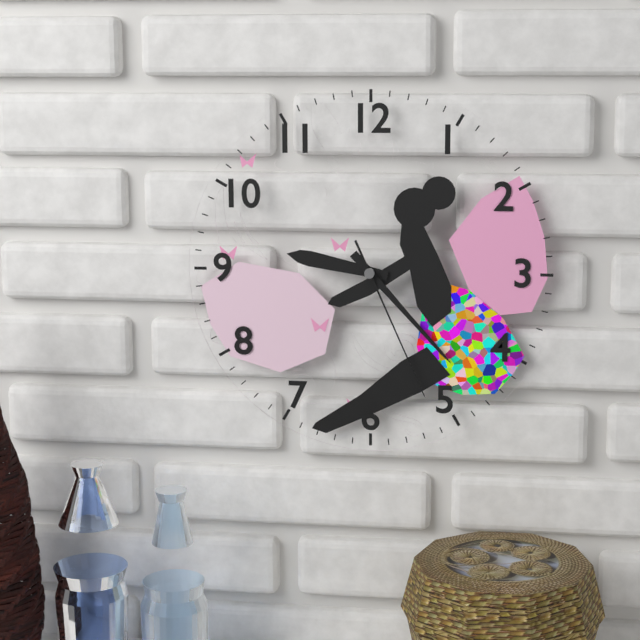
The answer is 9:23:26
